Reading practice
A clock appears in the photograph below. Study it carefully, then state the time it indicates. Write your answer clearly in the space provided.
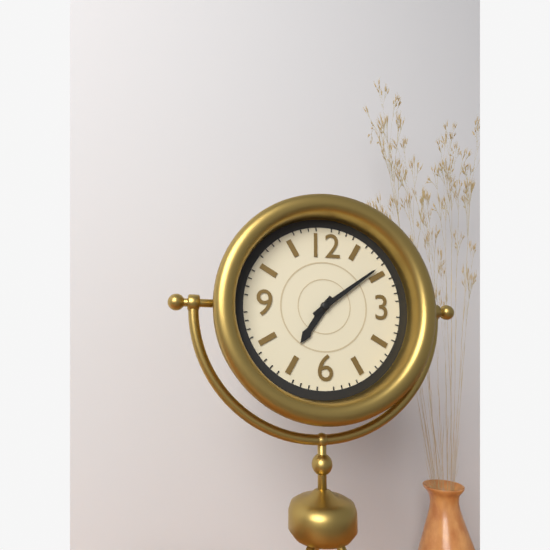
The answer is 7:09
